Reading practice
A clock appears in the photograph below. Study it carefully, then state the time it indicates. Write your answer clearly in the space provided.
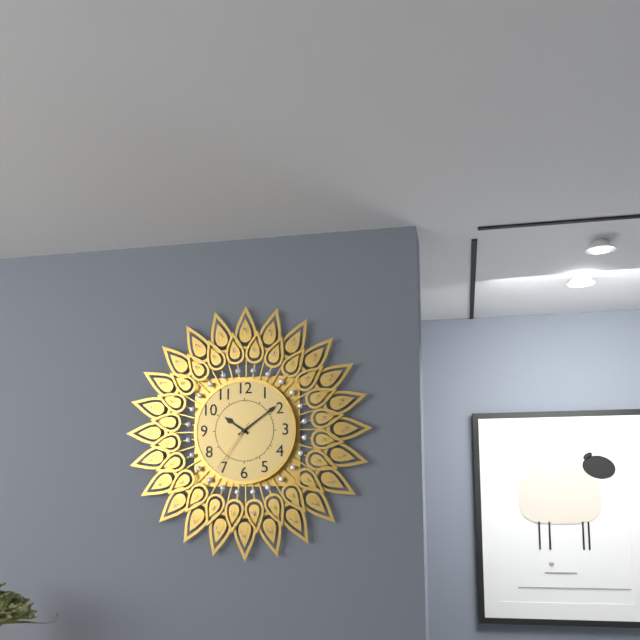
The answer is 10:09:36
